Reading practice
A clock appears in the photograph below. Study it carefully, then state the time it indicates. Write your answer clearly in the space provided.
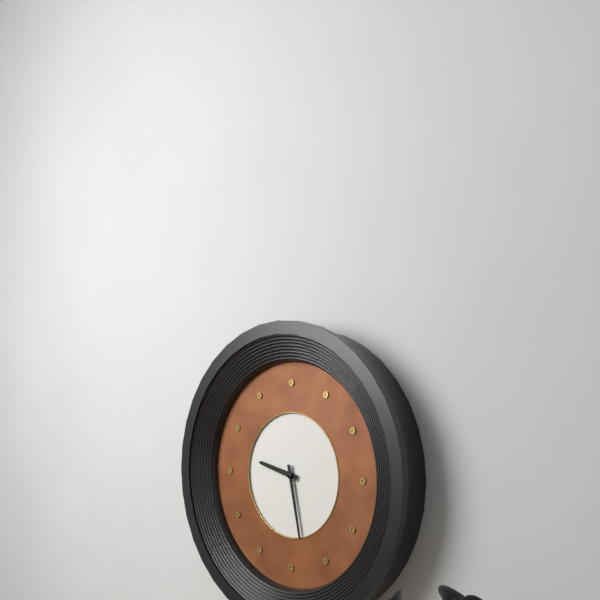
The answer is 9:28
